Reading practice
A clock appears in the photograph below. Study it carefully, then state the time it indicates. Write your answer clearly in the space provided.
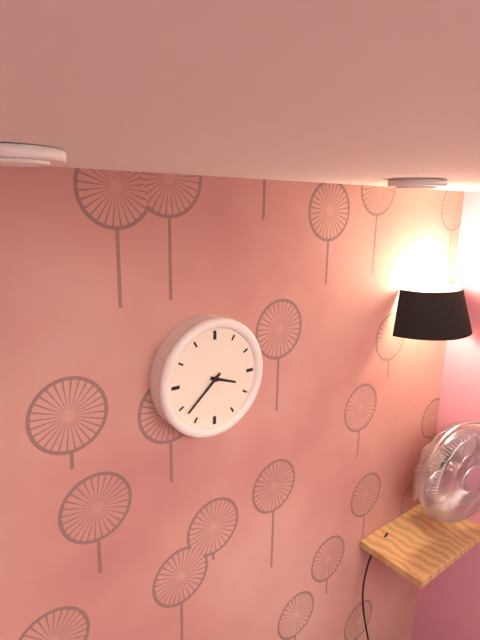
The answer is 3:38
